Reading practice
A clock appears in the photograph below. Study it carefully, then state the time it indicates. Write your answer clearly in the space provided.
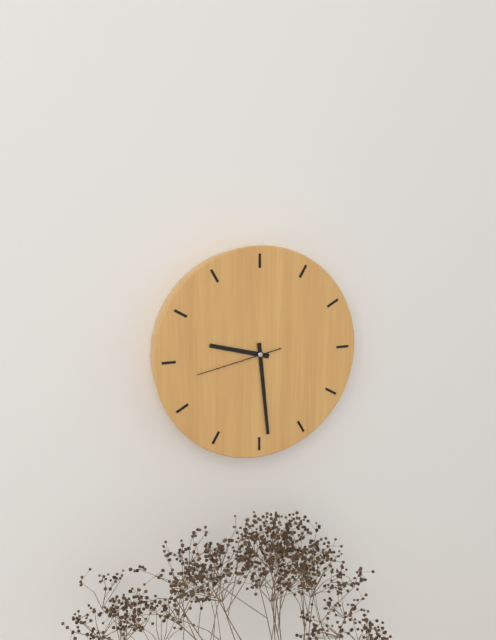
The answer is 9:29:43
